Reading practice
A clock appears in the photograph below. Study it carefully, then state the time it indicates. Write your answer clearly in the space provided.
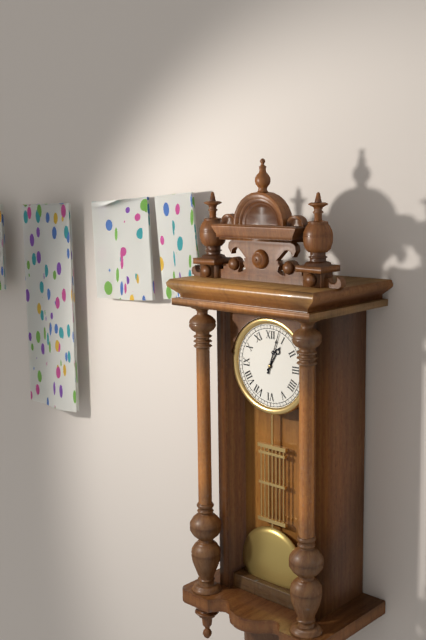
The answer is 1:03
